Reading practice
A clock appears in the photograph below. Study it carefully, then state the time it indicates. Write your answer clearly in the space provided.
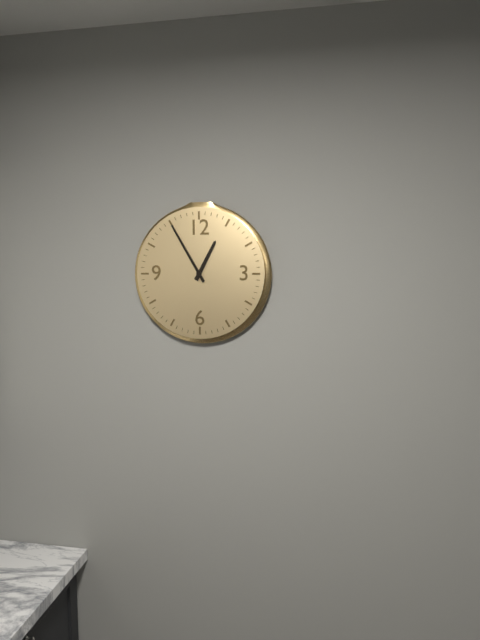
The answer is 12:55
